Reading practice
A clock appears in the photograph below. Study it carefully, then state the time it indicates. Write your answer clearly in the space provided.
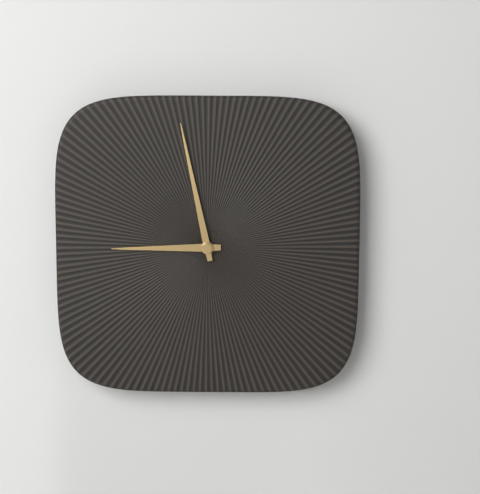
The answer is 8:58
